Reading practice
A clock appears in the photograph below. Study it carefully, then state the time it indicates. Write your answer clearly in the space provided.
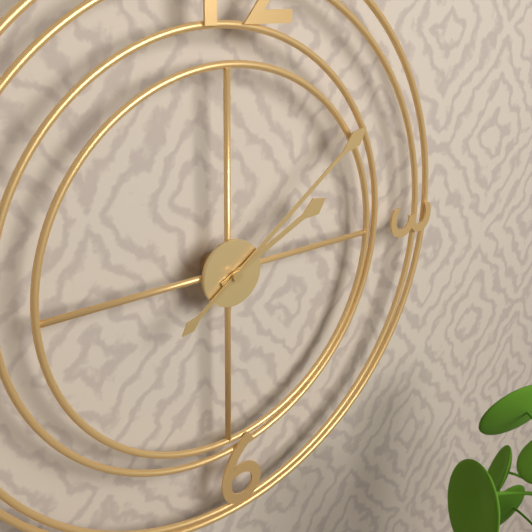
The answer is 2:09
